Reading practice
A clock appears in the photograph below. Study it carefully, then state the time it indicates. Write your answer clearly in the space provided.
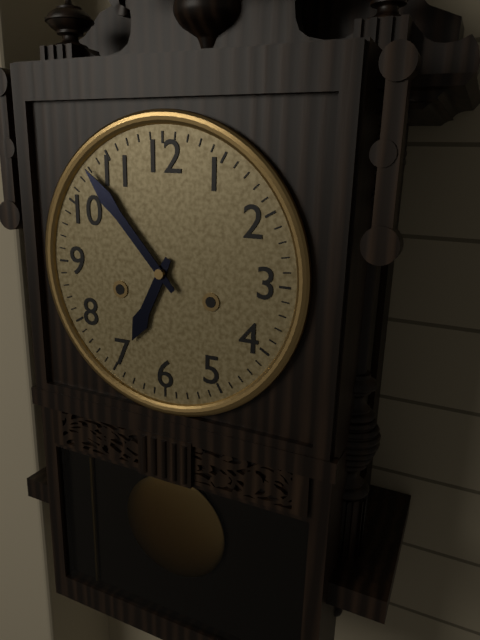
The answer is 6:53
